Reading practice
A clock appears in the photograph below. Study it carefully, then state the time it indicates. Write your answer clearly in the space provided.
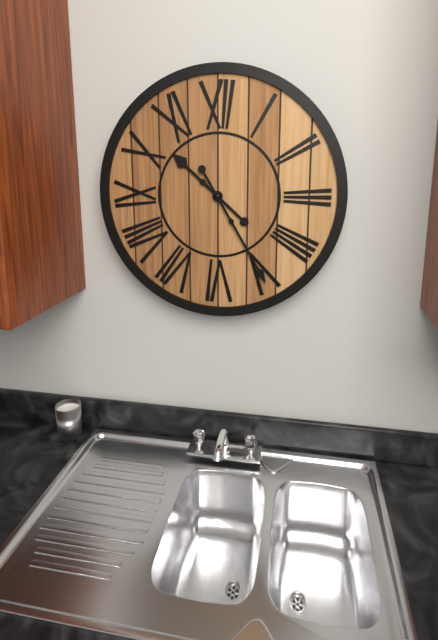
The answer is 10:25
